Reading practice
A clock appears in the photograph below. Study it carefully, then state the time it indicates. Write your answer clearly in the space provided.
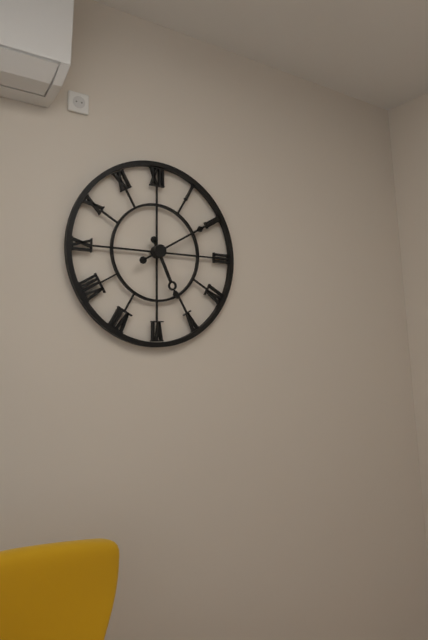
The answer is 5:10
